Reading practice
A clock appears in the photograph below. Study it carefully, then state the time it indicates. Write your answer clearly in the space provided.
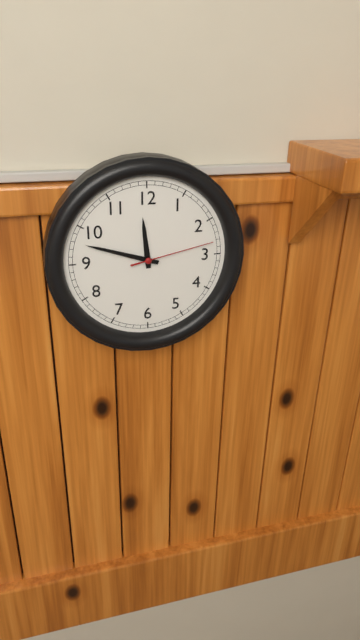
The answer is 11:48:13
